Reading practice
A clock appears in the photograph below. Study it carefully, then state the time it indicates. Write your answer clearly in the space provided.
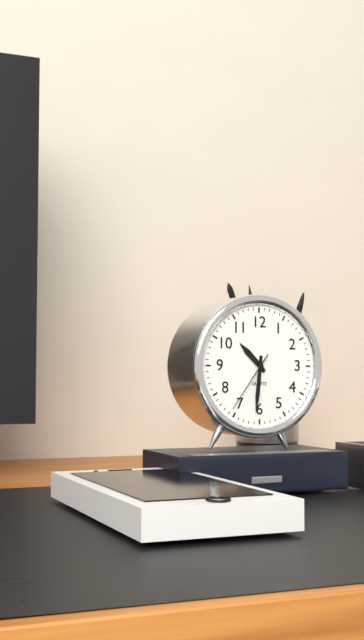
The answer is 10:31:36
